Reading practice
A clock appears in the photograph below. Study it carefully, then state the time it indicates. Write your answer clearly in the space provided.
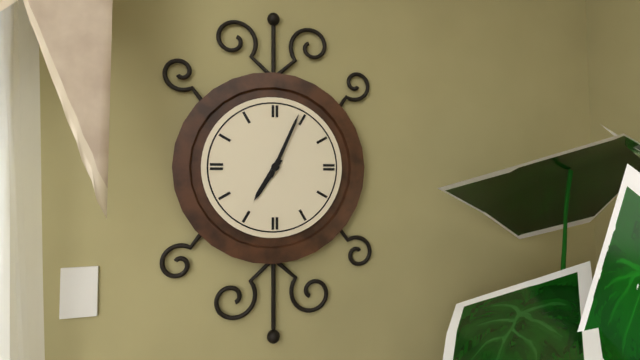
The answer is 7:04
